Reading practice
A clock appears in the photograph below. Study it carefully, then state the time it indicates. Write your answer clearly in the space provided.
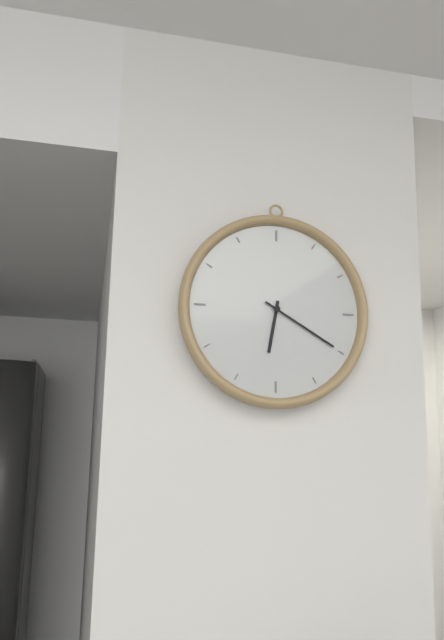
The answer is 6:20
